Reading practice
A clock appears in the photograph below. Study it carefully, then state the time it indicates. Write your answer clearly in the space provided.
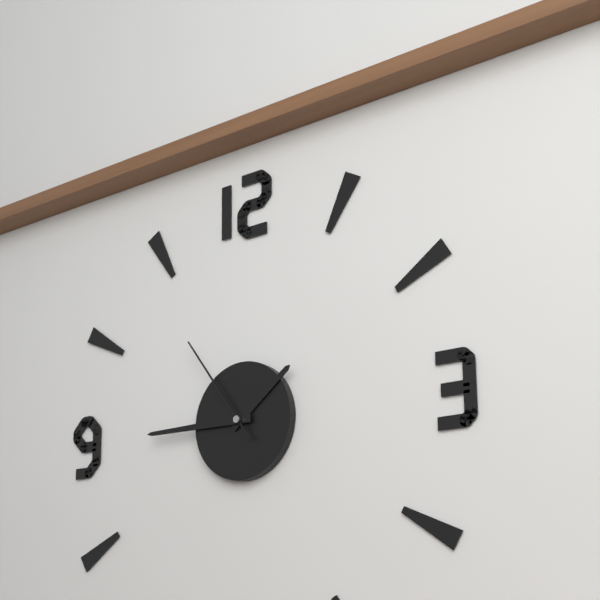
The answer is 1:45:54
